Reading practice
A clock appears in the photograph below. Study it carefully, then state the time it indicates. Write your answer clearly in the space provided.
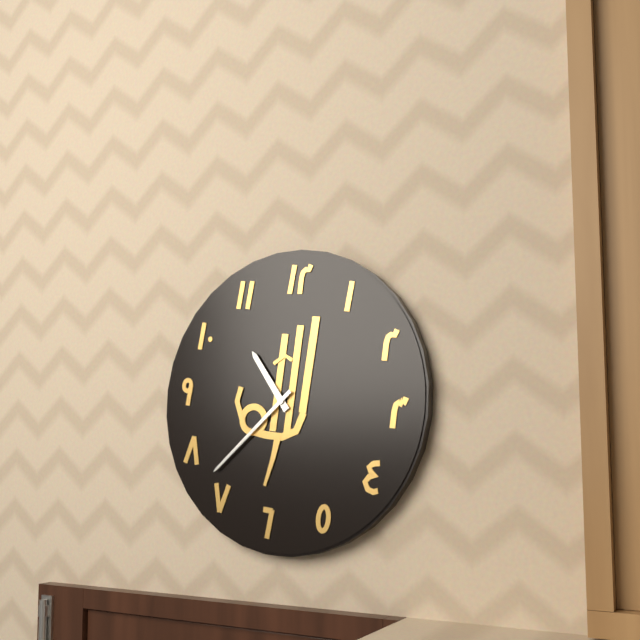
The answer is 10:37
